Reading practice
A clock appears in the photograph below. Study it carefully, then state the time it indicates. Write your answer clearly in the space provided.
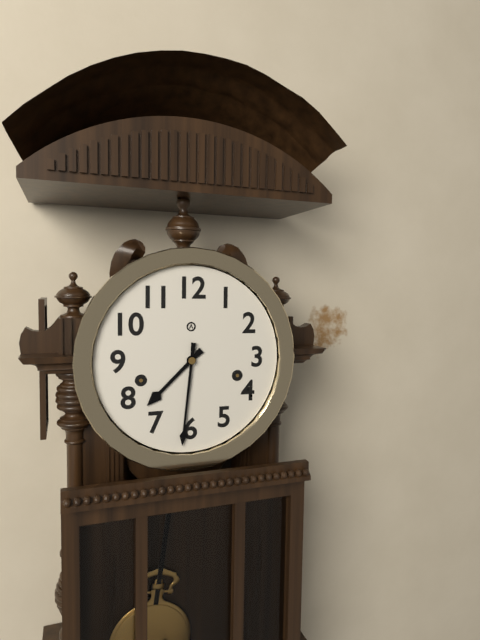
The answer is 7:31
